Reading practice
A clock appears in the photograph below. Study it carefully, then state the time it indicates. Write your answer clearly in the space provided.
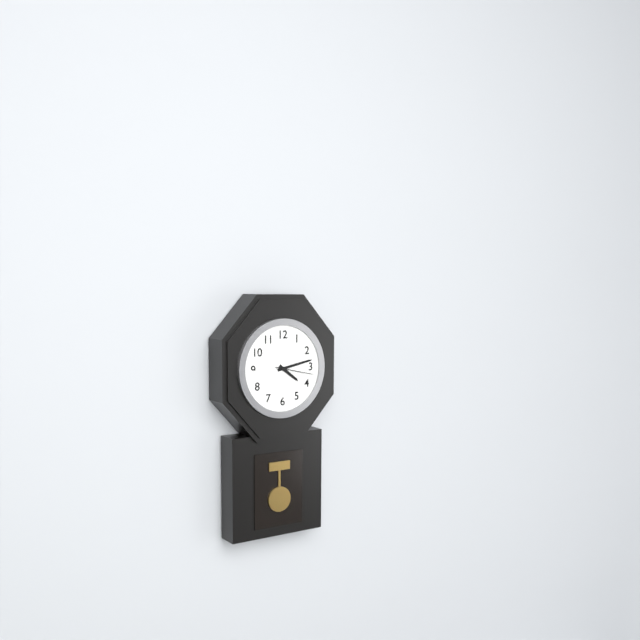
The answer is 4:13:17
